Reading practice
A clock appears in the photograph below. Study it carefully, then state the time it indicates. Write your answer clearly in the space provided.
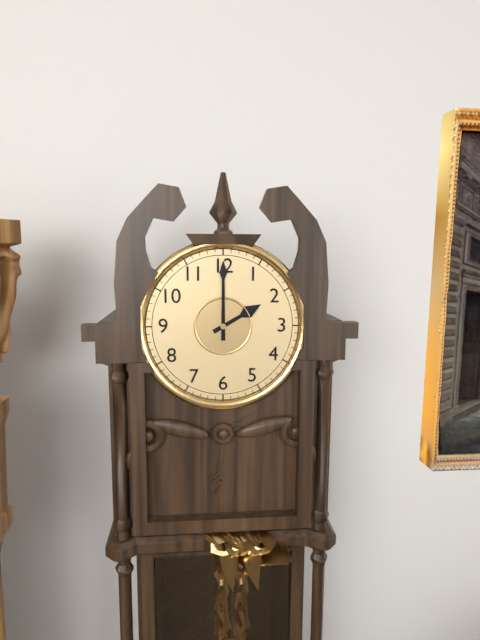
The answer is 2:00
